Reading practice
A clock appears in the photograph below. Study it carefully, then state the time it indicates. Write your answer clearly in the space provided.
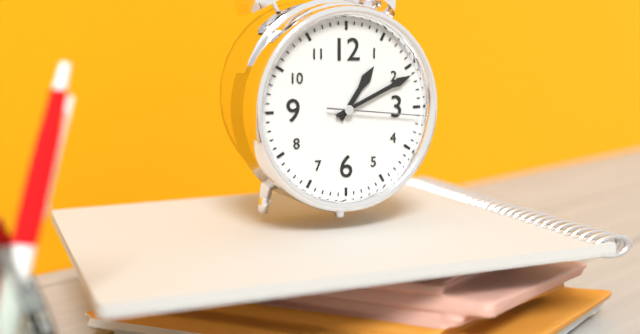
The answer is 1:11:16
